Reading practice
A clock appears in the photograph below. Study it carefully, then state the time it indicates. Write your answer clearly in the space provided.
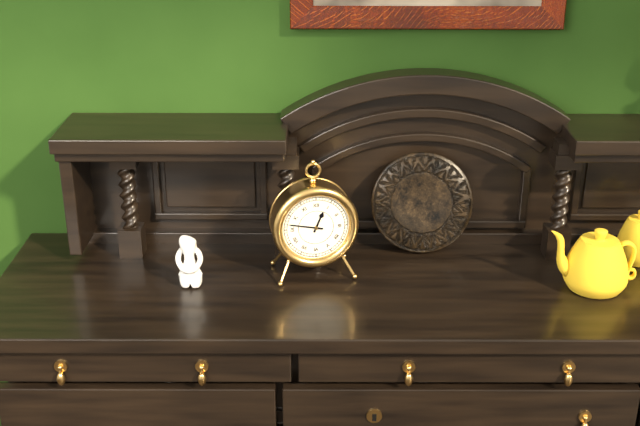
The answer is 12:47
